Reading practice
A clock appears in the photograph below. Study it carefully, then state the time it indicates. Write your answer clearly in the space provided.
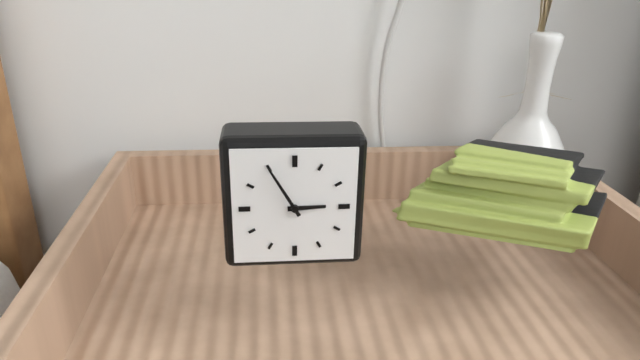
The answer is 2:55
